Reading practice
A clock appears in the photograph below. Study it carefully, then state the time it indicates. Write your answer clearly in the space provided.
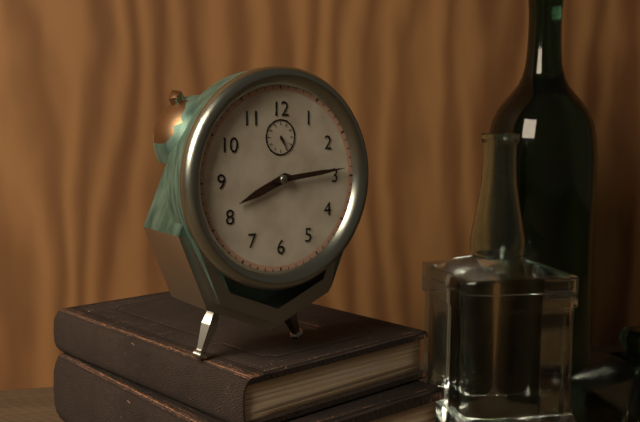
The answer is 8:14
